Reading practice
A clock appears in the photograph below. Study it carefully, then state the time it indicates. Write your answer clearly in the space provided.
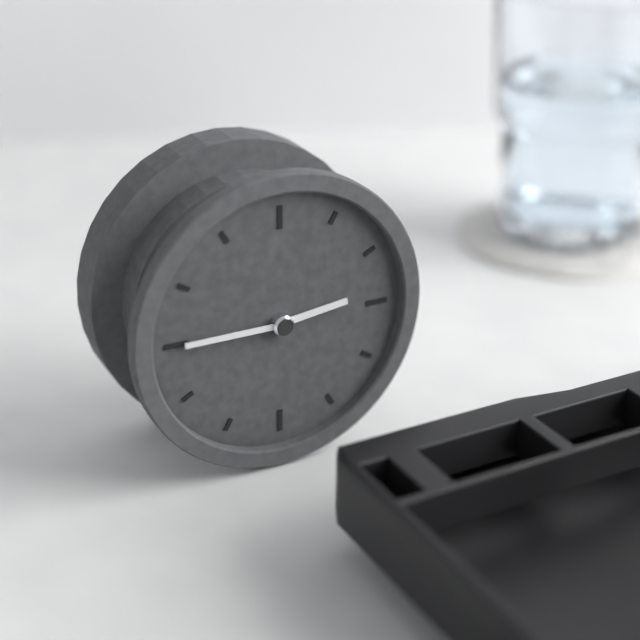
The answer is 2:45
